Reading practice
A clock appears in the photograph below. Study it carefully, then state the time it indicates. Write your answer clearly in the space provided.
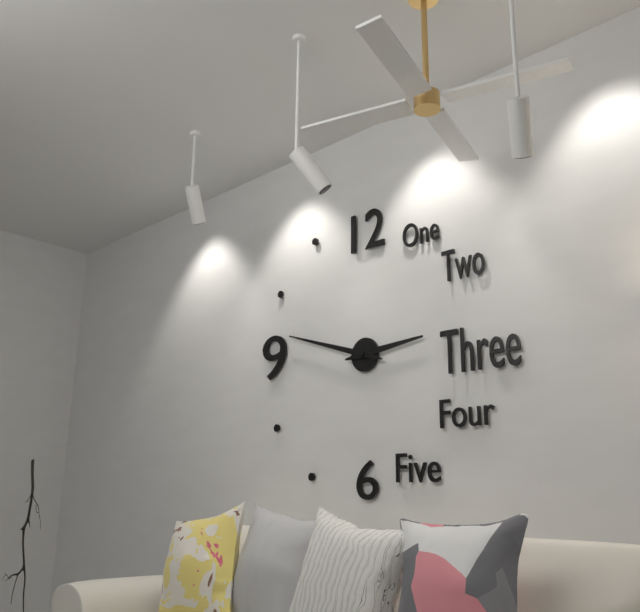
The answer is 2:48
